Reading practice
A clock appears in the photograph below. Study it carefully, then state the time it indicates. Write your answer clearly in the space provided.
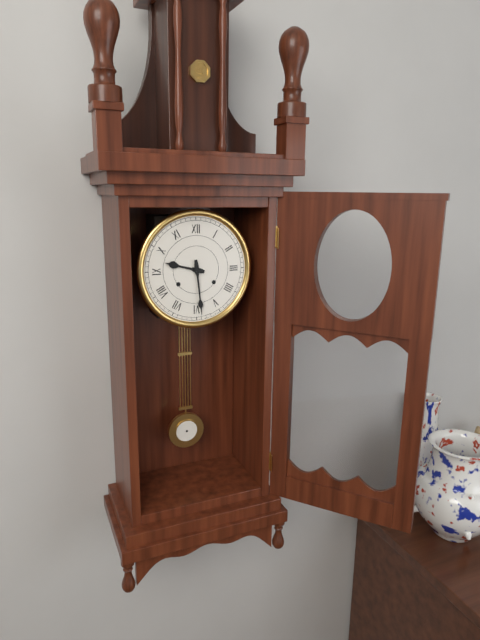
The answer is 9:29
